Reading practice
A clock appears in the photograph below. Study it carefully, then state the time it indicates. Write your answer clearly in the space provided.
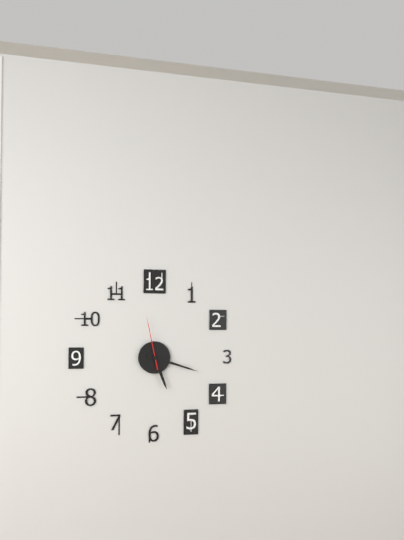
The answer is 5:18:58
